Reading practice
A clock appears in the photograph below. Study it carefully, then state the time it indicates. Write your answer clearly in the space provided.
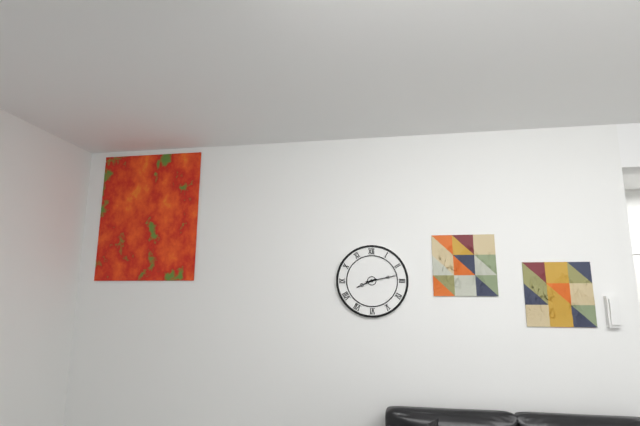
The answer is 8:13
